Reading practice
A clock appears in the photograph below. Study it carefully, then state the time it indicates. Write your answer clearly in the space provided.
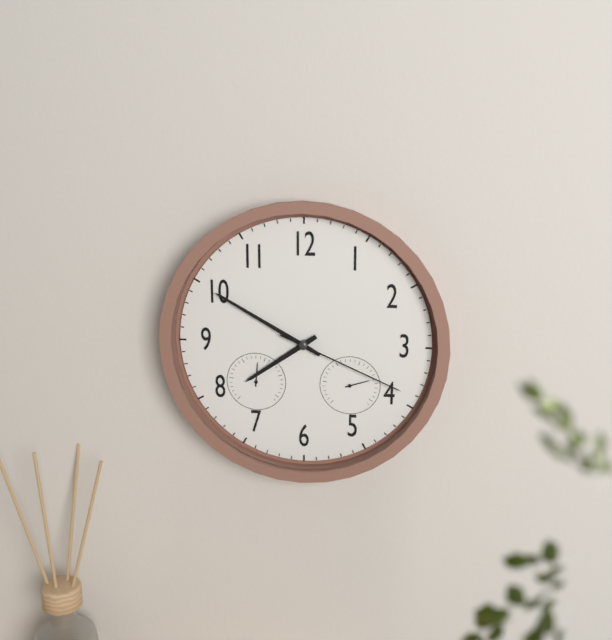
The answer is 7:50:19
